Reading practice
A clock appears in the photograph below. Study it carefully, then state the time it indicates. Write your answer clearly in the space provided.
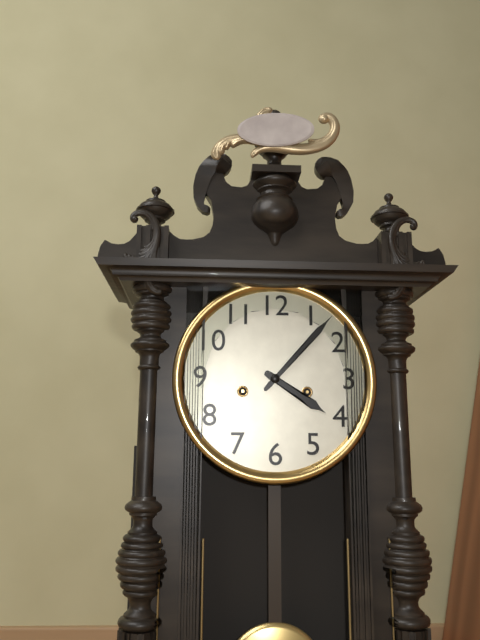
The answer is 4:07
